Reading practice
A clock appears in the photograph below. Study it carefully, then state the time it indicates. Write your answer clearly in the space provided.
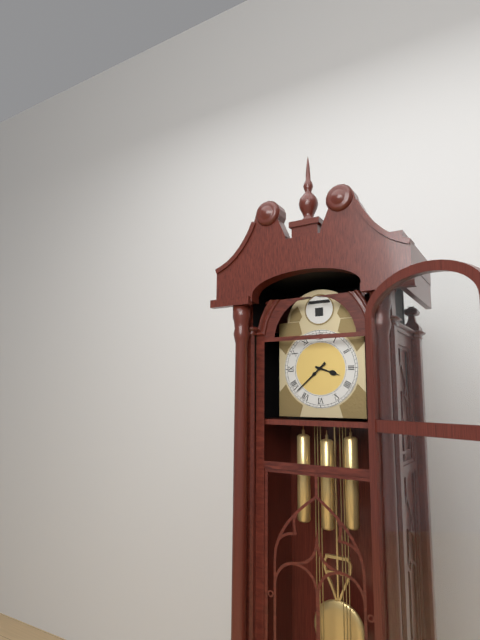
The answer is 3:38
